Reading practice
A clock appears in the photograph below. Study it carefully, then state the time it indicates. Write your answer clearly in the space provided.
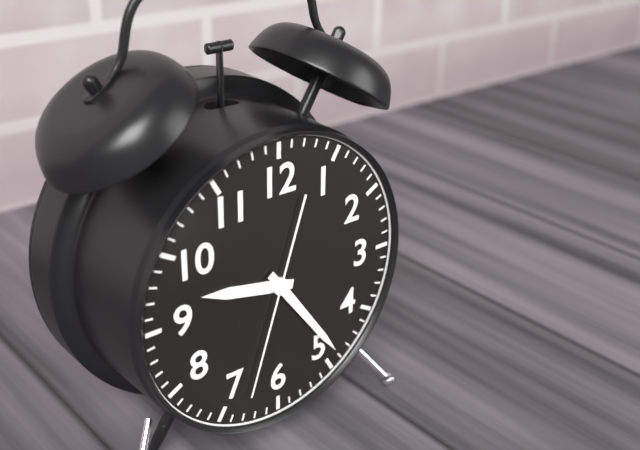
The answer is 9:24:33
